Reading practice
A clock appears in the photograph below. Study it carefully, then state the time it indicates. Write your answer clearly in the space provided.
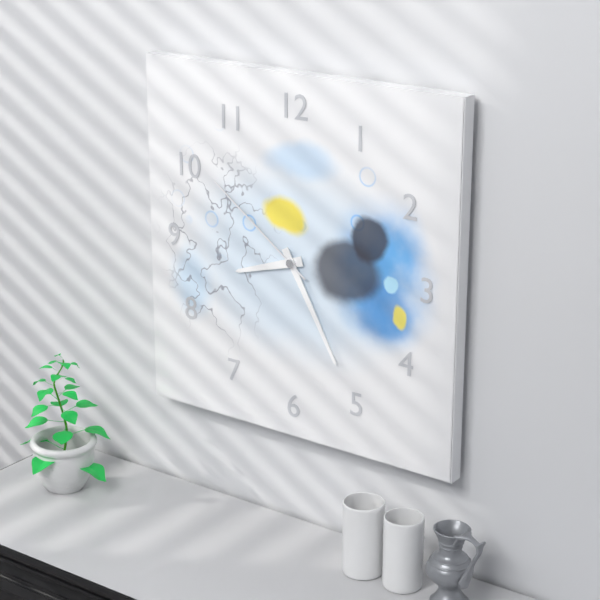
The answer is 8:25:51
